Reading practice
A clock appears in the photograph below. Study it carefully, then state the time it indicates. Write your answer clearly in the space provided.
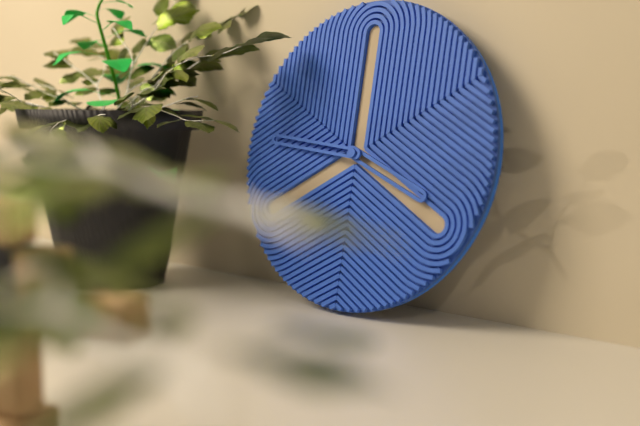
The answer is 3:46
